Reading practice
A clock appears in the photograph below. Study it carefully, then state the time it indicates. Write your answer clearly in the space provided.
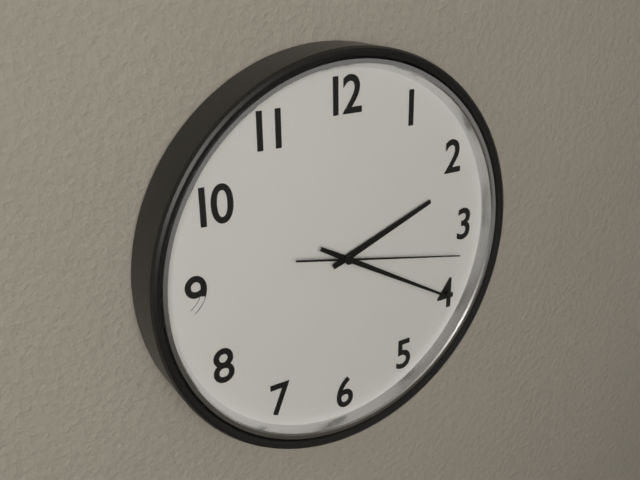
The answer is 2:20:17
